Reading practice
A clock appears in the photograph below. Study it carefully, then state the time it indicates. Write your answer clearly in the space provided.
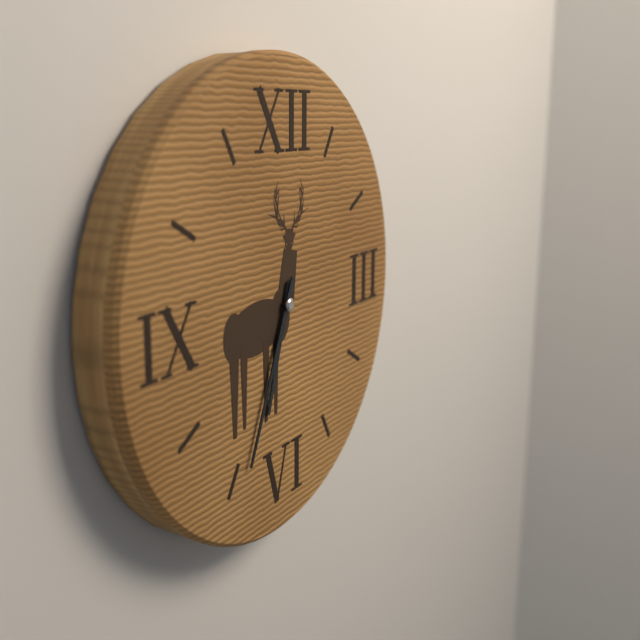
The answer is 6:34
